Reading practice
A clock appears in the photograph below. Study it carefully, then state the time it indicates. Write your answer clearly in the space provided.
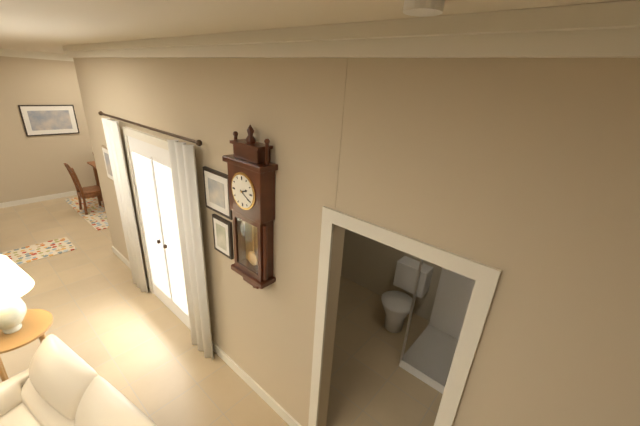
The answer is 2:20
